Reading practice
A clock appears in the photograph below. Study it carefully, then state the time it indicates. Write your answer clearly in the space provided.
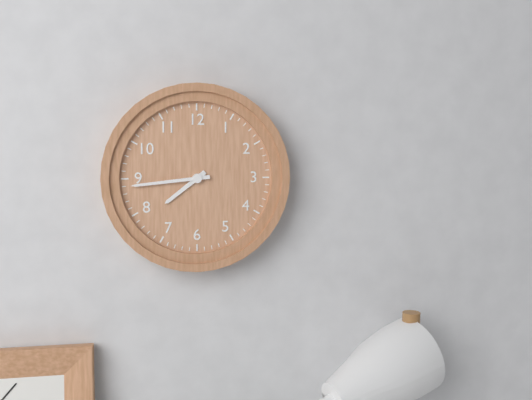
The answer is 7:44
